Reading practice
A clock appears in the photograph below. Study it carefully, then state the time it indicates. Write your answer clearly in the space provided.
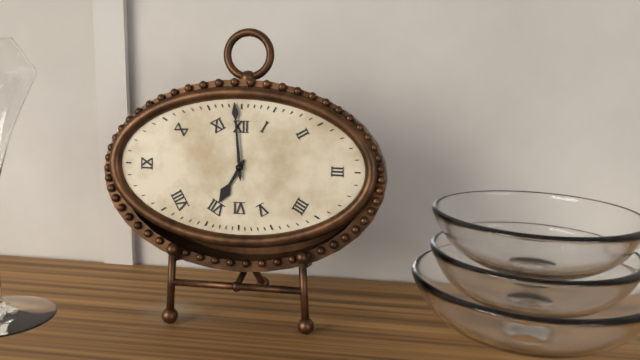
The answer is 6:59
